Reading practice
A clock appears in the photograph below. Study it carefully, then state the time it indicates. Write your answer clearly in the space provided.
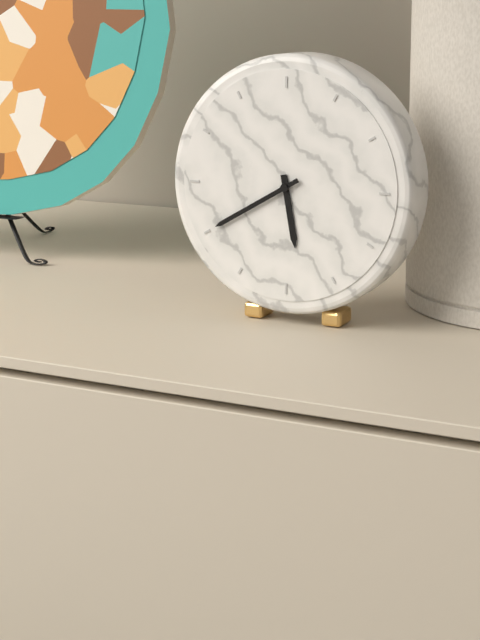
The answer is 5:40
